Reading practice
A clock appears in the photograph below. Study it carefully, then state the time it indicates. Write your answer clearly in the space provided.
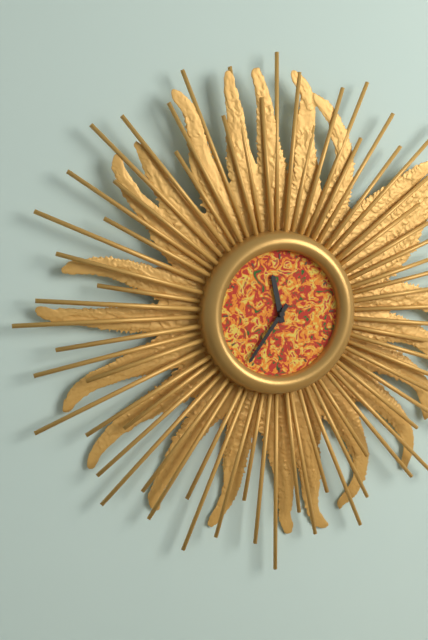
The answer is 11:36
